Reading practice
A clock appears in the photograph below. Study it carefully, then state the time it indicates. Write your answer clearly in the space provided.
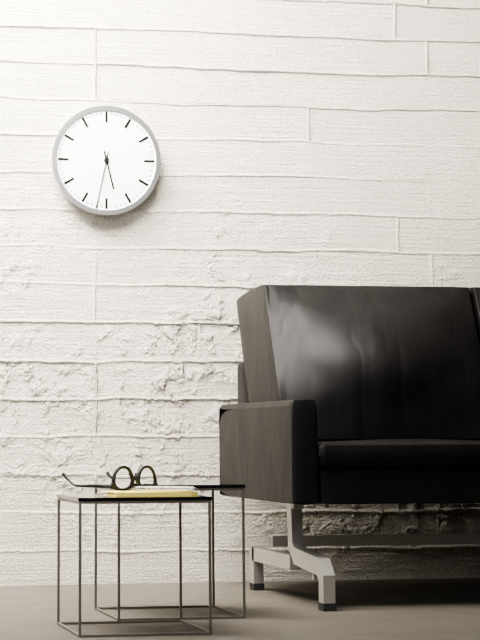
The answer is 5:32
